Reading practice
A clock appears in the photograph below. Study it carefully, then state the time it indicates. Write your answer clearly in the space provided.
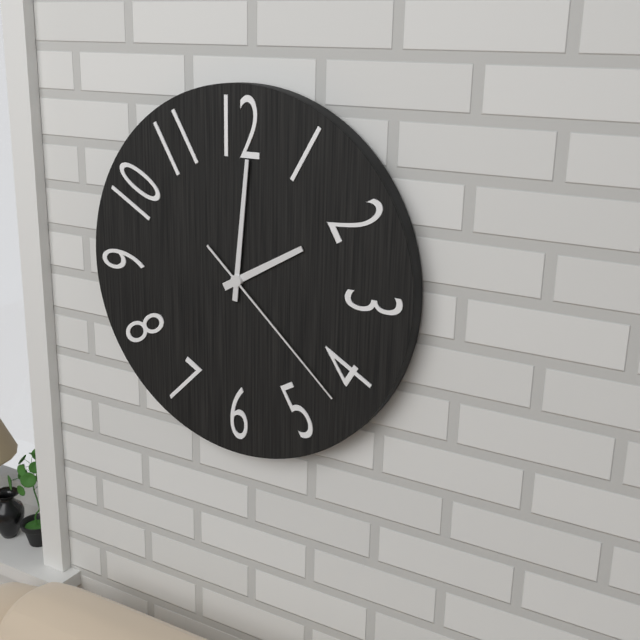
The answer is 2:01:22
